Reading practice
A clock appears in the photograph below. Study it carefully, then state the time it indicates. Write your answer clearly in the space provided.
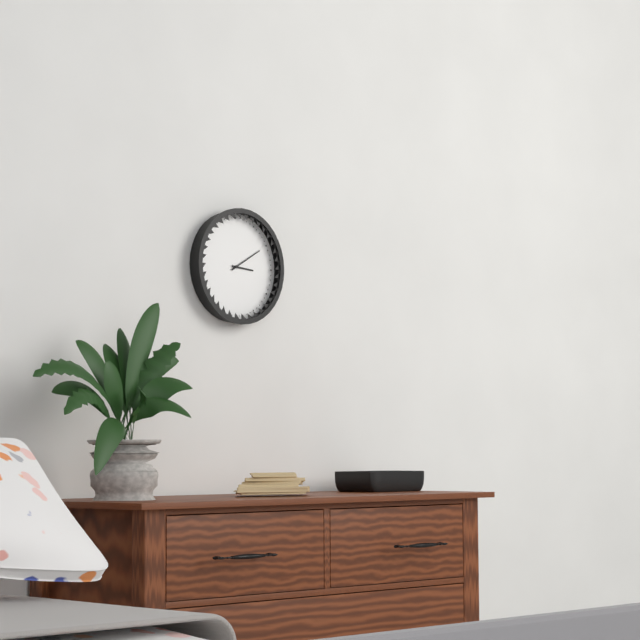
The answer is 3:10
